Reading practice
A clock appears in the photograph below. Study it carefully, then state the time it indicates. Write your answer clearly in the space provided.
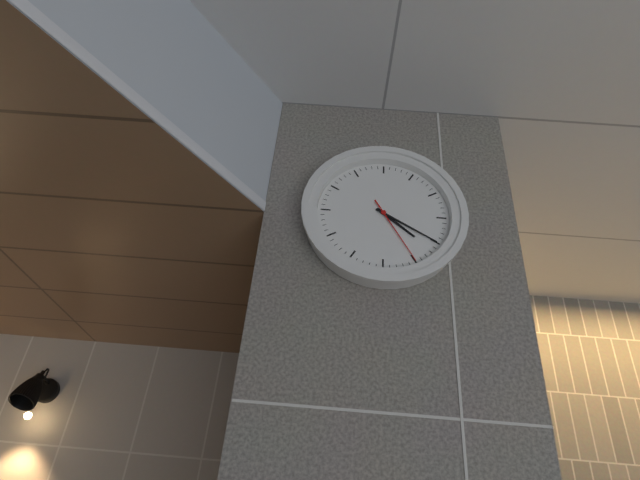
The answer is 4:20:25
